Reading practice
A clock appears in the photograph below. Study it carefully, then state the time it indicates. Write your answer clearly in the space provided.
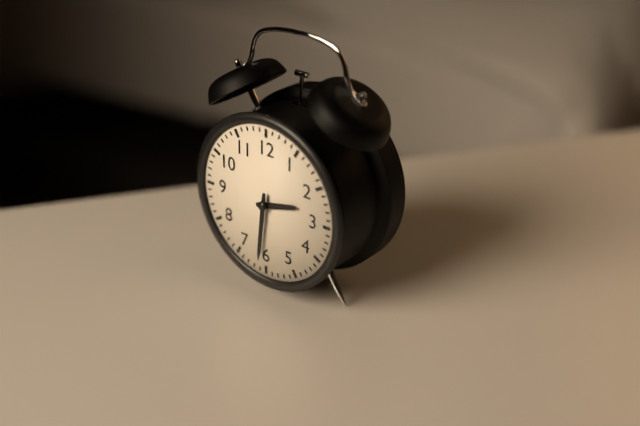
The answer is 2:31
